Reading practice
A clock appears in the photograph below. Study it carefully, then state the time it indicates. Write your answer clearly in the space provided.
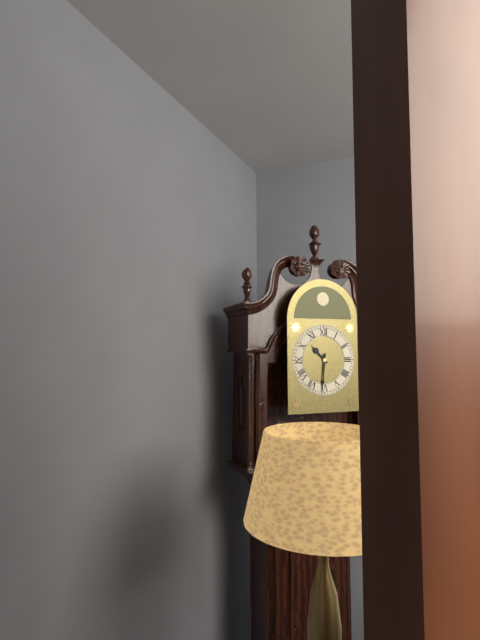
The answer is 10:31
